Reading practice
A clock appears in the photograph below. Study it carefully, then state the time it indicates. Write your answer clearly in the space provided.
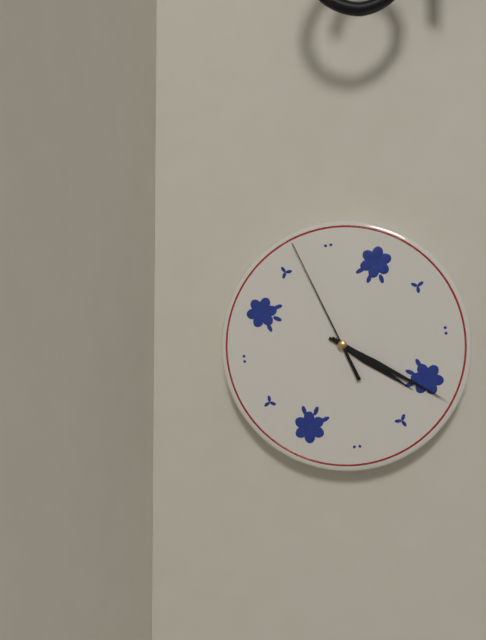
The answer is 4:21:57
